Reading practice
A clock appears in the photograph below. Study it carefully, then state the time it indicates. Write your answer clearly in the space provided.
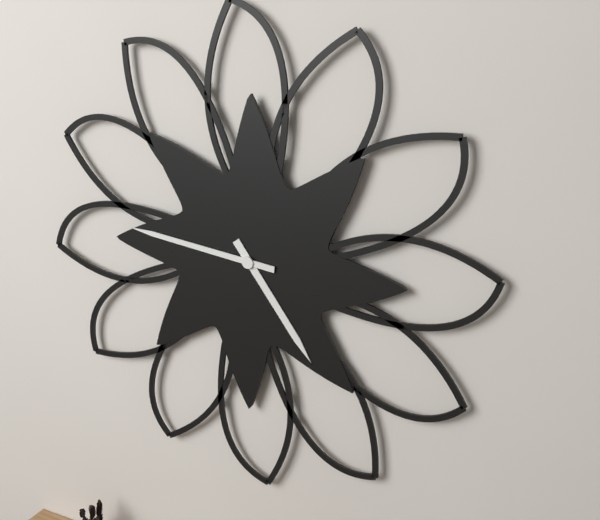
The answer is 4:46
